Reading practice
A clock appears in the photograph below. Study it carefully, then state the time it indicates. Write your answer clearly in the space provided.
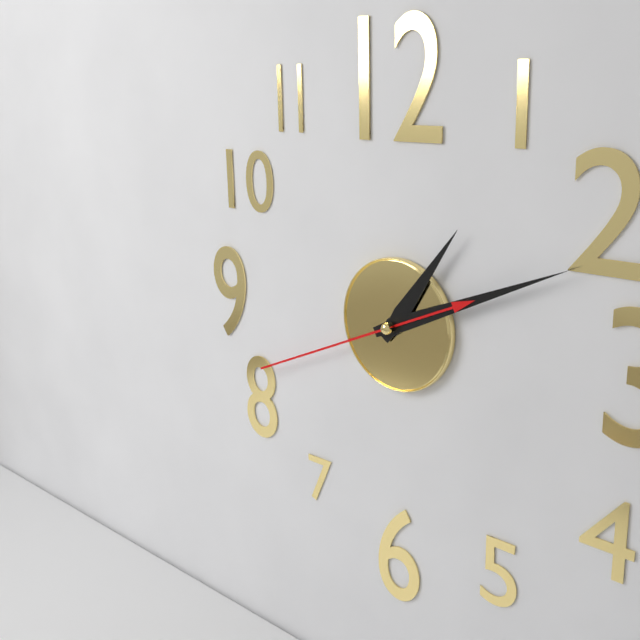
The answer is 1:11:41
